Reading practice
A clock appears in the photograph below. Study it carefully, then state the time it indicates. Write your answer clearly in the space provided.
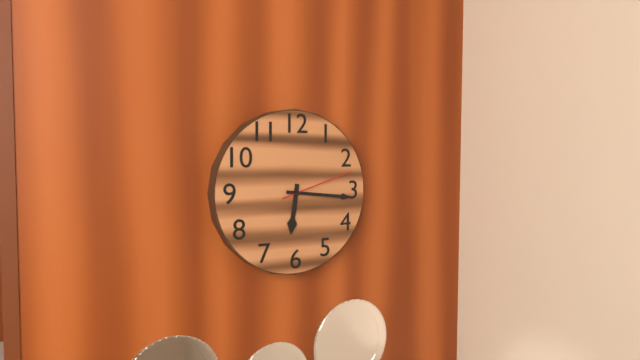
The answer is 6:16:12
